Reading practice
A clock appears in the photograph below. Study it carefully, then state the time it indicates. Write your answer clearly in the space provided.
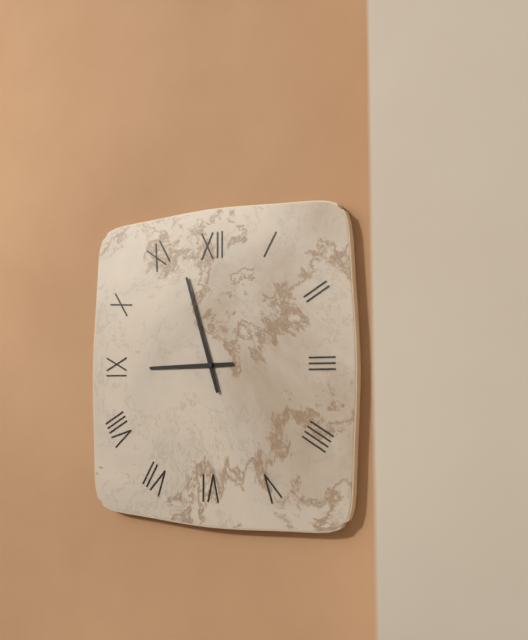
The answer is 8:57
